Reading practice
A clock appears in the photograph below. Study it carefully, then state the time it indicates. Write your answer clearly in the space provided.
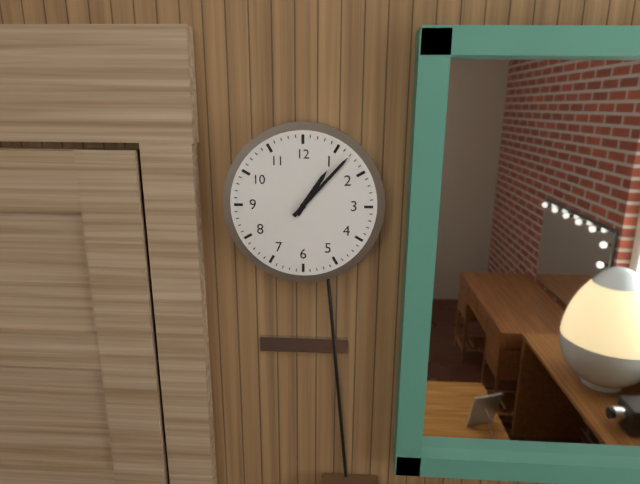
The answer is 1:07
